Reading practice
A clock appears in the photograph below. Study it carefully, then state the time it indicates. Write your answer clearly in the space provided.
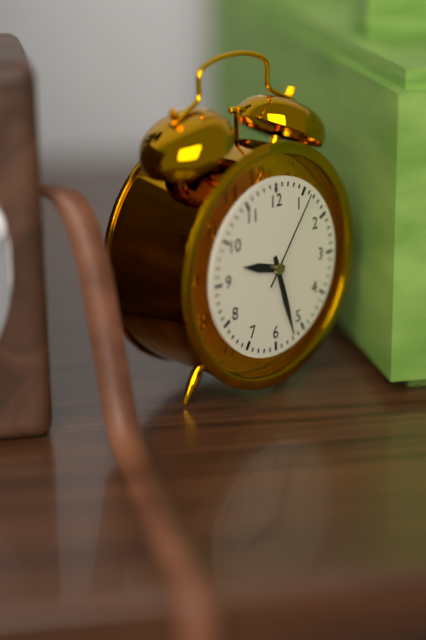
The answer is 9:27:06
